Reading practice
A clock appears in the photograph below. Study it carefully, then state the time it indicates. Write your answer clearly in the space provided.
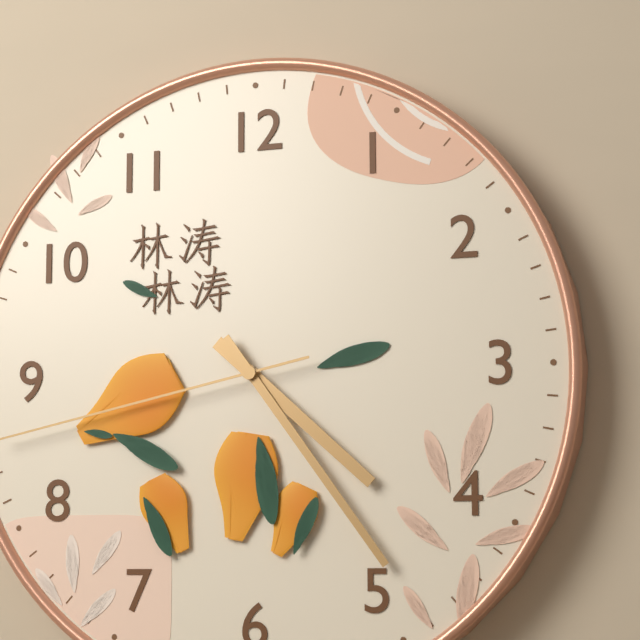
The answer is 4:24
